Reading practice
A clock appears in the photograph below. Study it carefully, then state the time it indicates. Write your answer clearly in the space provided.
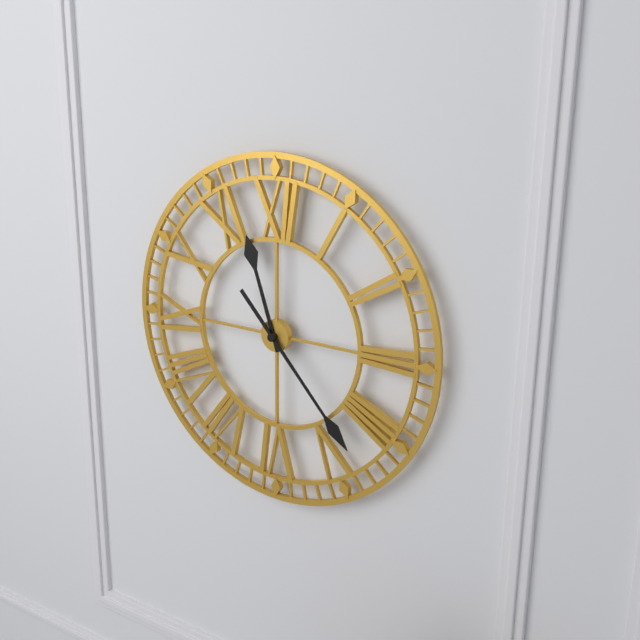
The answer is 11:23
